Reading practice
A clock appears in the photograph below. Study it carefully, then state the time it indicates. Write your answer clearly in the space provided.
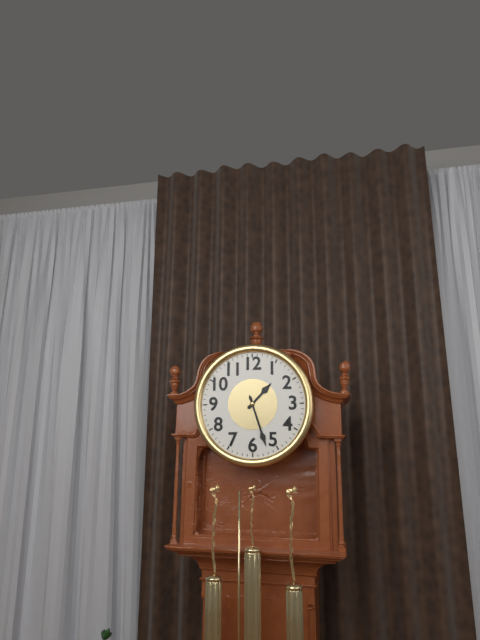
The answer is 1:27
